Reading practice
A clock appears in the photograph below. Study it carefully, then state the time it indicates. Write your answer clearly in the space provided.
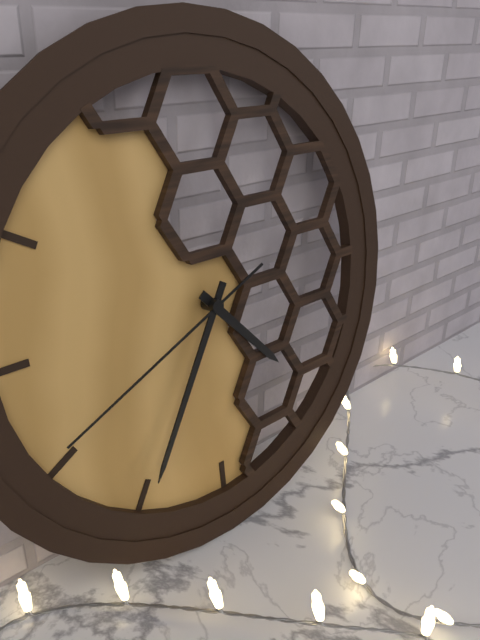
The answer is 4:35:41
